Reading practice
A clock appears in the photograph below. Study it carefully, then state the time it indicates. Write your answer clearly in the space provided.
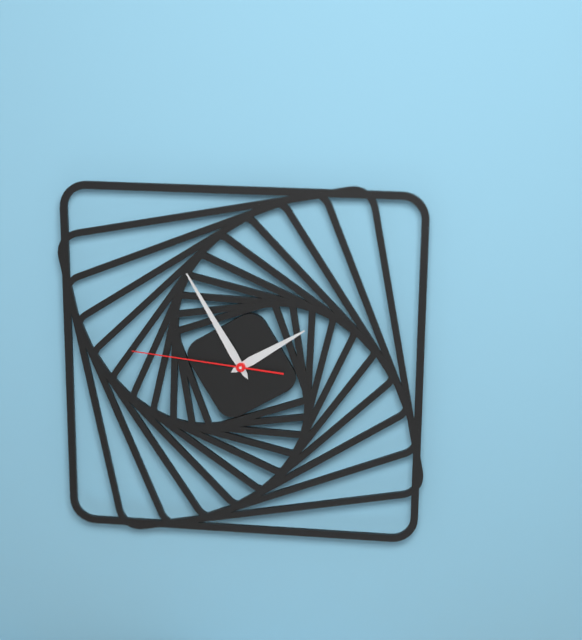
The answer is 1:55:46
